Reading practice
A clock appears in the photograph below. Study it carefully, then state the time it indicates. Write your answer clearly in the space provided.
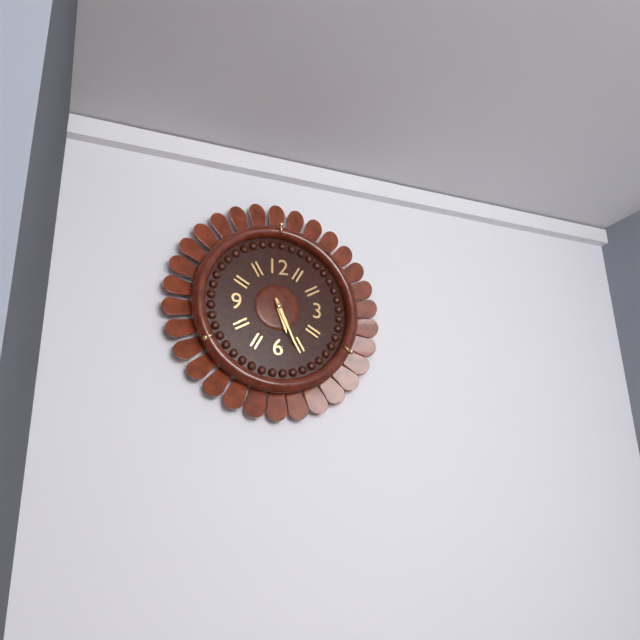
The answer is 5:26
